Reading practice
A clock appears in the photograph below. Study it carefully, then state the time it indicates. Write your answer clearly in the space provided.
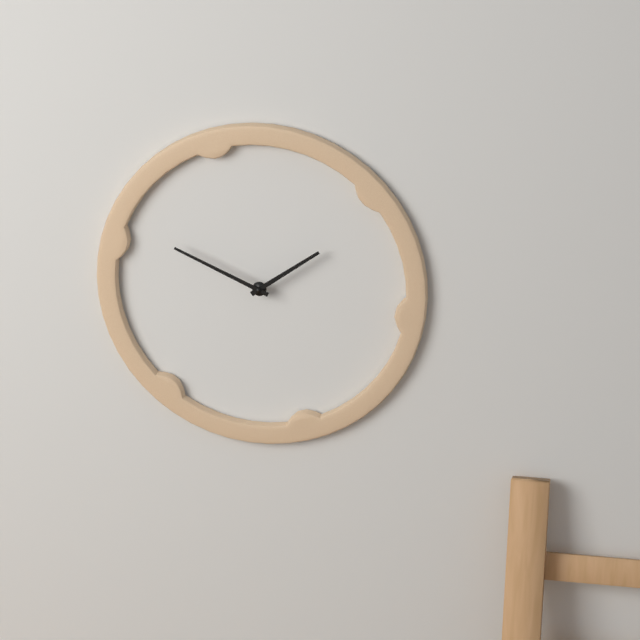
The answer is 1:49
